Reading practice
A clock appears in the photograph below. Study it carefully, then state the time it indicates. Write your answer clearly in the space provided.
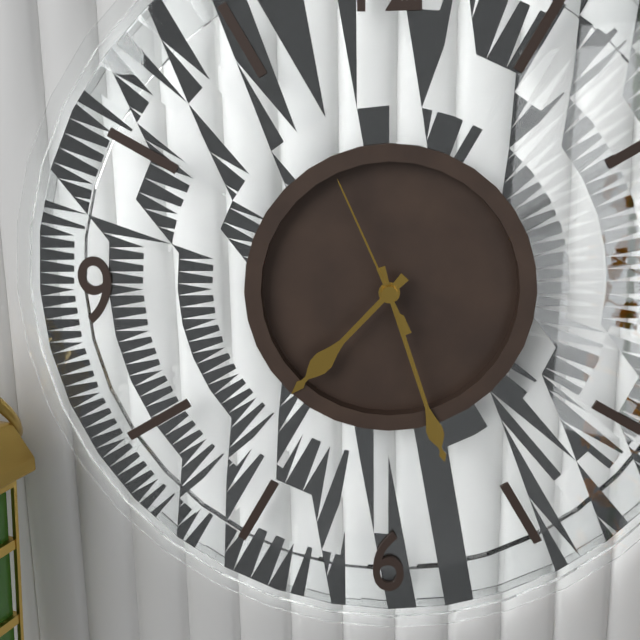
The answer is 7:27:56
